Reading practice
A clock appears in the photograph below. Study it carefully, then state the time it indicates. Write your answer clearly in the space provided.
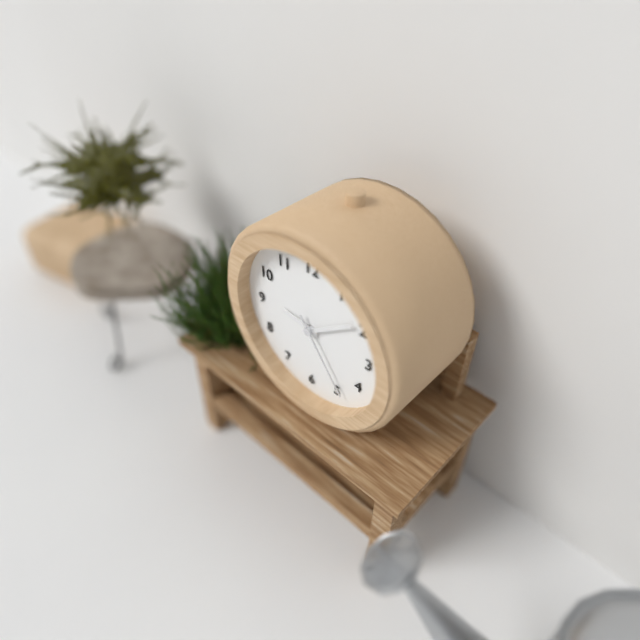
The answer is 9:09:24
